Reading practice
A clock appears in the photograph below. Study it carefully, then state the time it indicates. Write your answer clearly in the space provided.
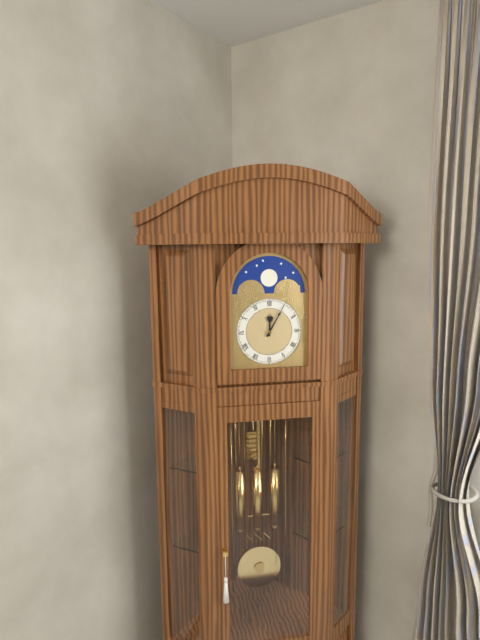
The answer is 12:05
